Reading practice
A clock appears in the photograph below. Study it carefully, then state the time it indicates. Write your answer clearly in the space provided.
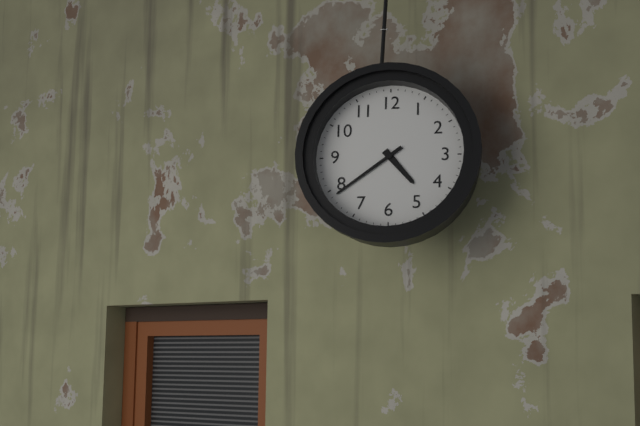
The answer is 4:39
